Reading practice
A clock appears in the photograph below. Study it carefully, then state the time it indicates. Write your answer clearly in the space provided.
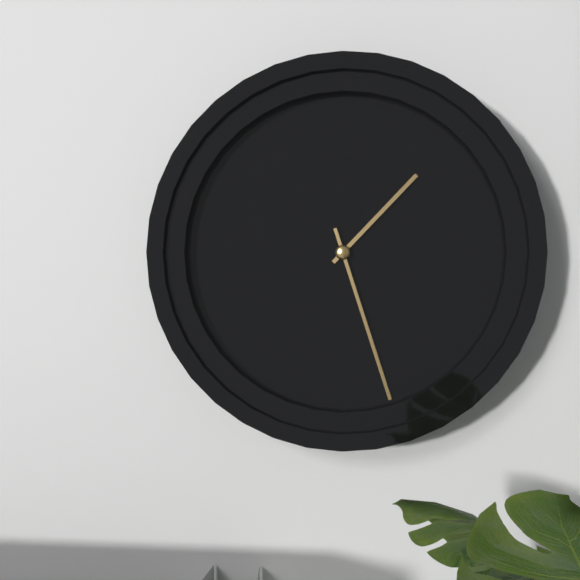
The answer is 1:27
